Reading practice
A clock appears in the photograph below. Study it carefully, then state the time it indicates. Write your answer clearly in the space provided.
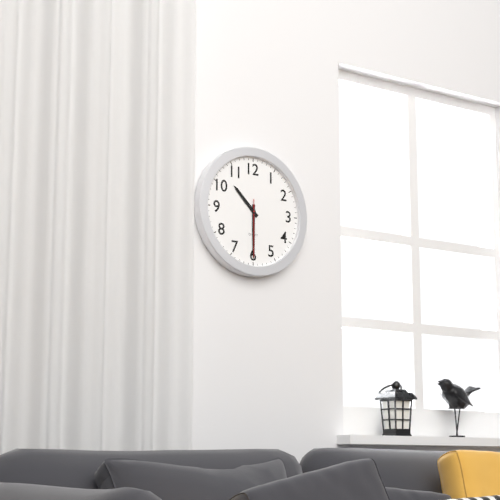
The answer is 10:30:30
